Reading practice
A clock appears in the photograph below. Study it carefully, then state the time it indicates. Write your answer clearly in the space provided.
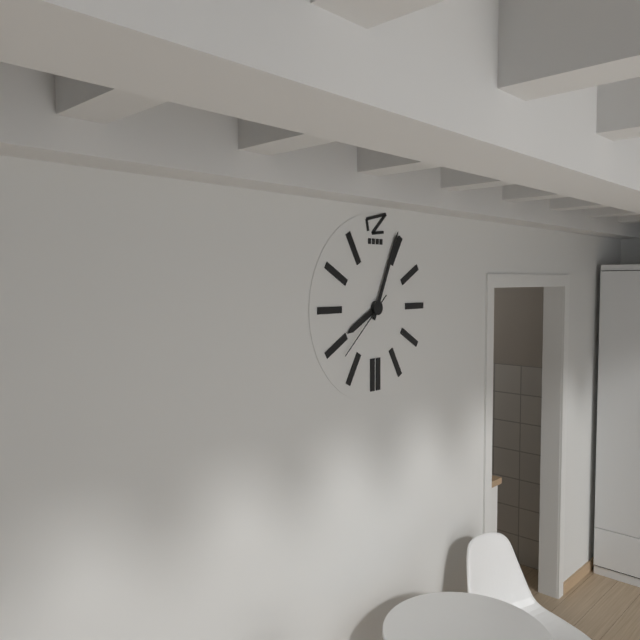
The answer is 8:04:38
